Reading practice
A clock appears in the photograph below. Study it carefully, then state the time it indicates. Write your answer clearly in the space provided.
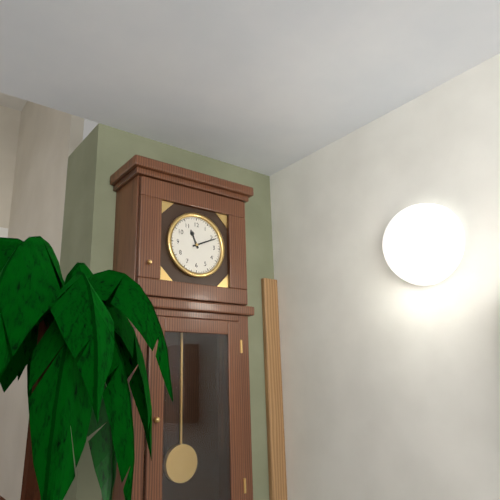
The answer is 11:11
